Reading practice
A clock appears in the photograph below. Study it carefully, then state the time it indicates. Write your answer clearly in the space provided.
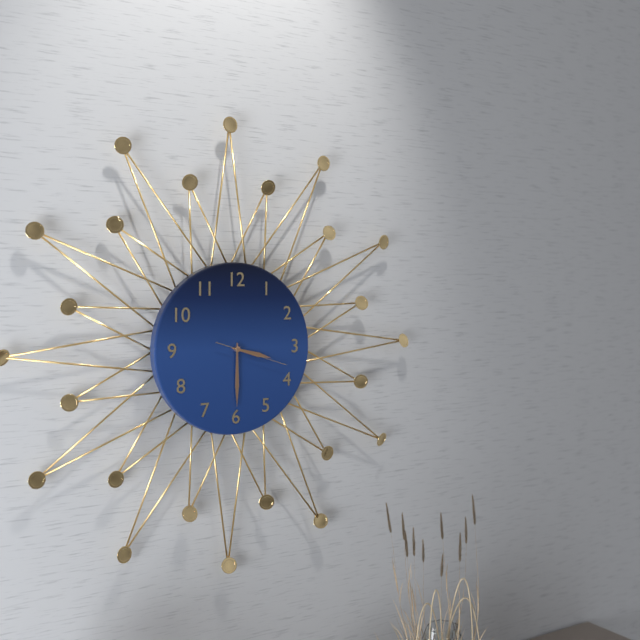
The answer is 3:30:18
